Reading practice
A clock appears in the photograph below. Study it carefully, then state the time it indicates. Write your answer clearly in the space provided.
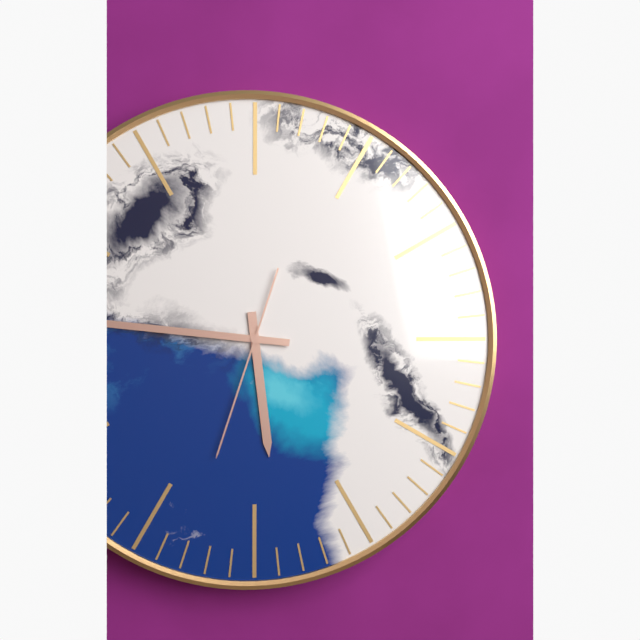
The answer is 5:46:33
